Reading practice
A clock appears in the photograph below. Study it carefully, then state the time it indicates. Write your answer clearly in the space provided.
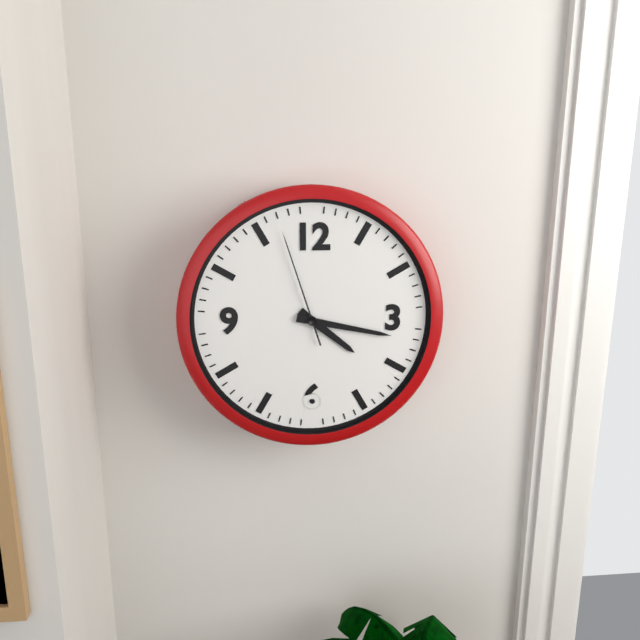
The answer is 4:17:57
